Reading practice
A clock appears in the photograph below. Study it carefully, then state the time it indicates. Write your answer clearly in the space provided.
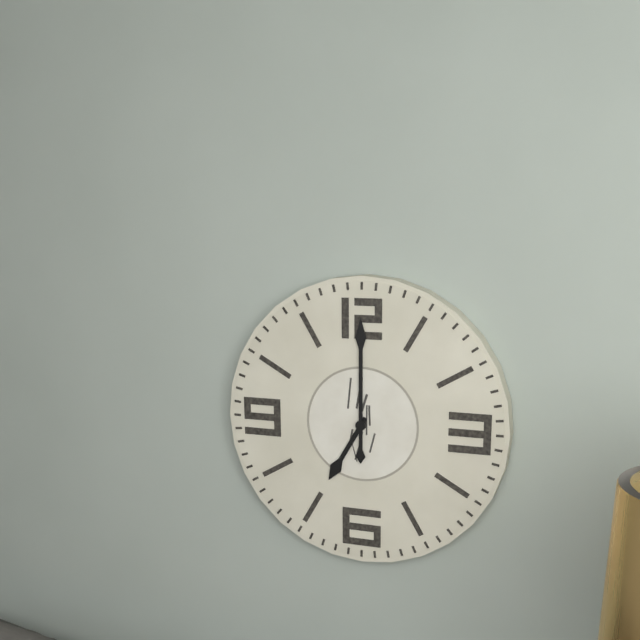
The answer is 7:00
